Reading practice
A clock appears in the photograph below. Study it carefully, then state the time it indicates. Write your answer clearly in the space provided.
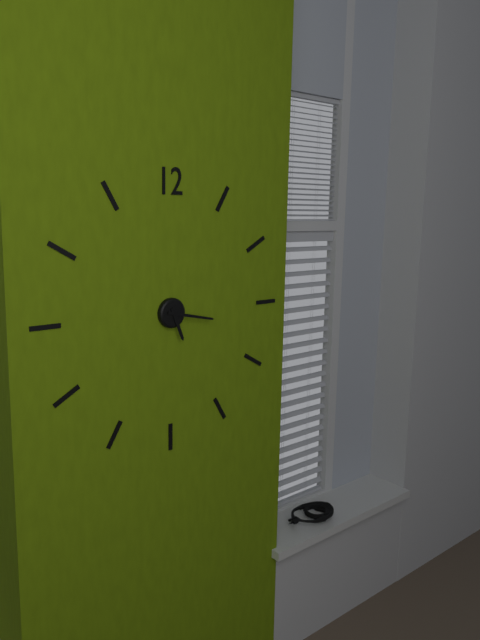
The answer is 5:17
